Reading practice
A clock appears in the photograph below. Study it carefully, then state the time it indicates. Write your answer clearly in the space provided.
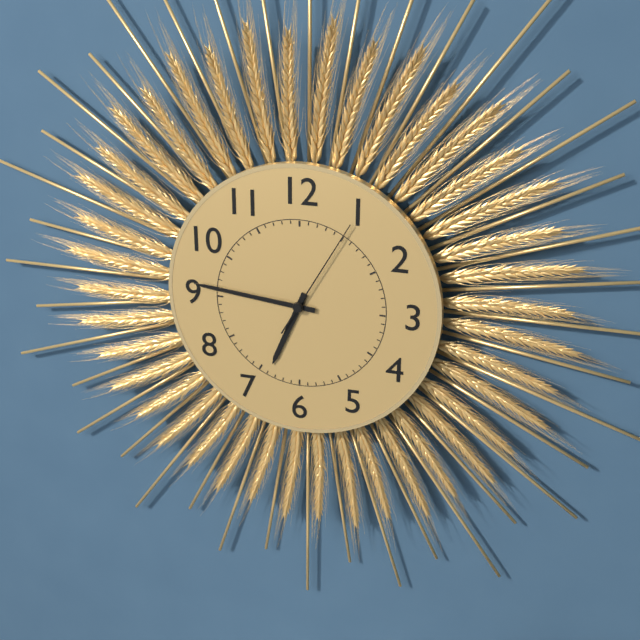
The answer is 6:46:05
